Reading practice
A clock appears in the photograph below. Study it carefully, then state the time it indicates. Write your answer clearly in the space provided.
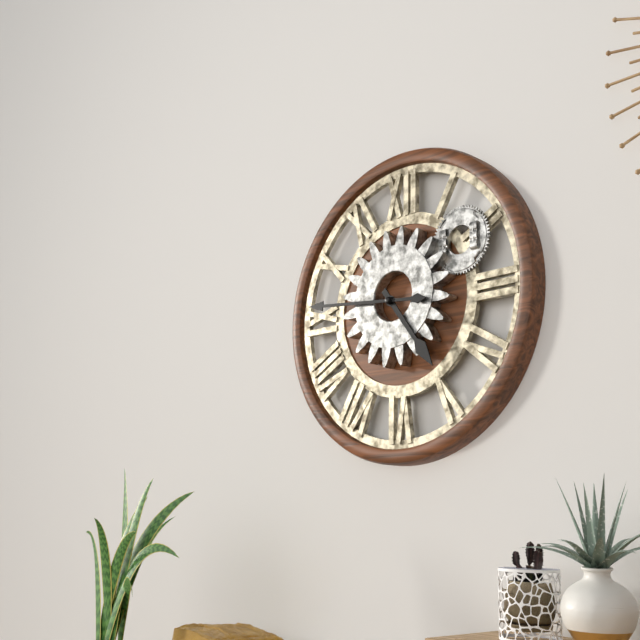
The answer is 4:46
